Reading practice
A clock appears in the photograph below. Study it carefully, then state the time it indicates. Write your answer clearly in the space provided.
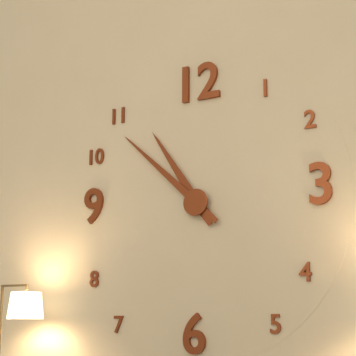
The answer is 10:52
